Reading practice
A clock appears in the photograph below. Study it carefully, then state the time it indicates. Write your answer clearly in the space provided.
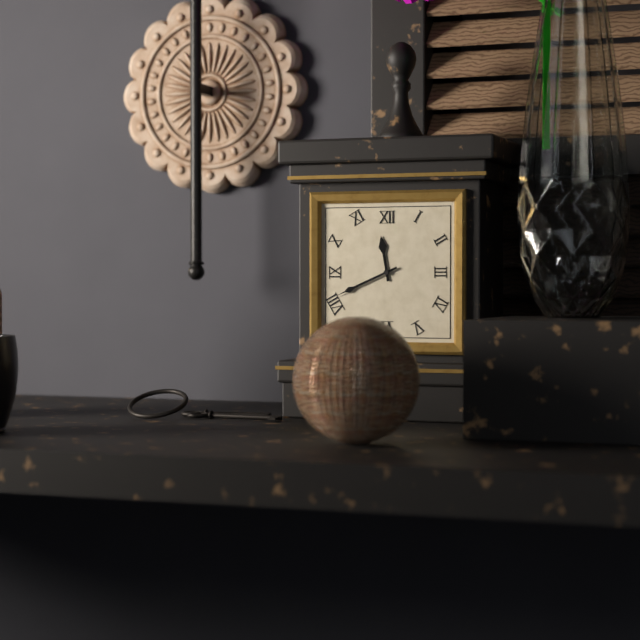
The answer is 11:41
